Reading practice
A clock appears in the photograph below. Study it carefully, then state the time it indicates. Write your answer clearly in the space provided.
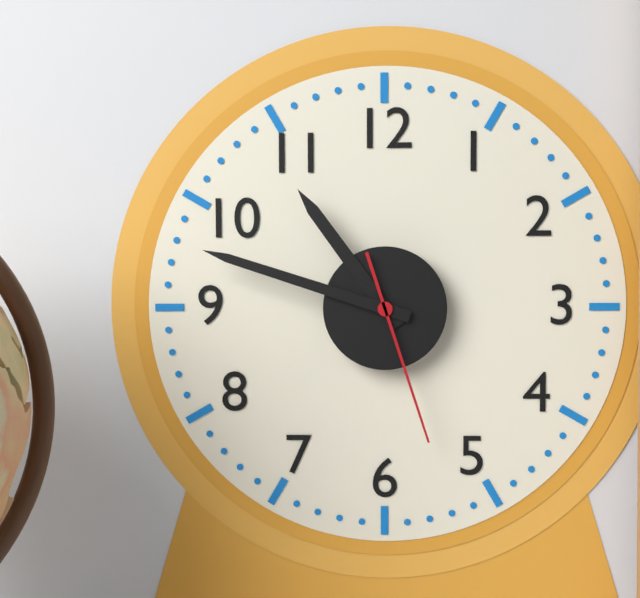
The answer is 10:48:27
